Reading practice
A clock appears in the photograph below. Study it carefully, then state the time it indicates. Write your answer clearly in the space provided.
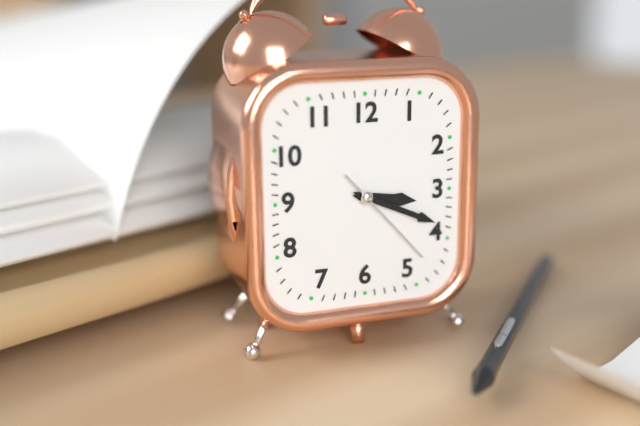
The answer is 3:19:23
